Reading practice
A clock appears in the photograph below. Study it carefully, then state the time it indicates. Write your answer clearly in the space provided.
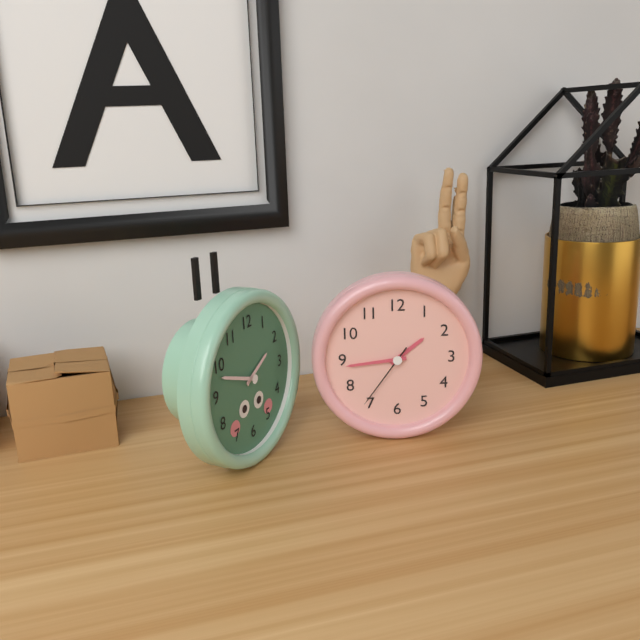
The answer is 1:44:36
